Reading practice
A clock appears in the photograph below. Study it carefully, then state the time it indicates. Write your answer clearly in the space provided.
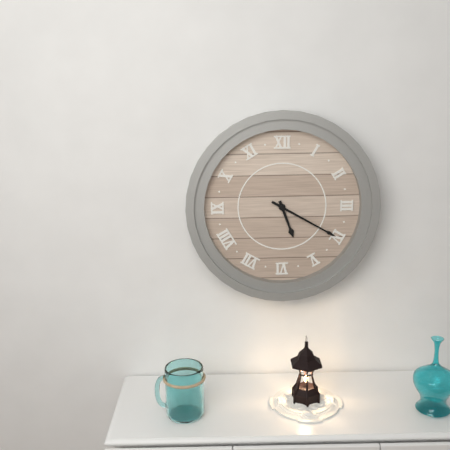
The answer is 5:20
